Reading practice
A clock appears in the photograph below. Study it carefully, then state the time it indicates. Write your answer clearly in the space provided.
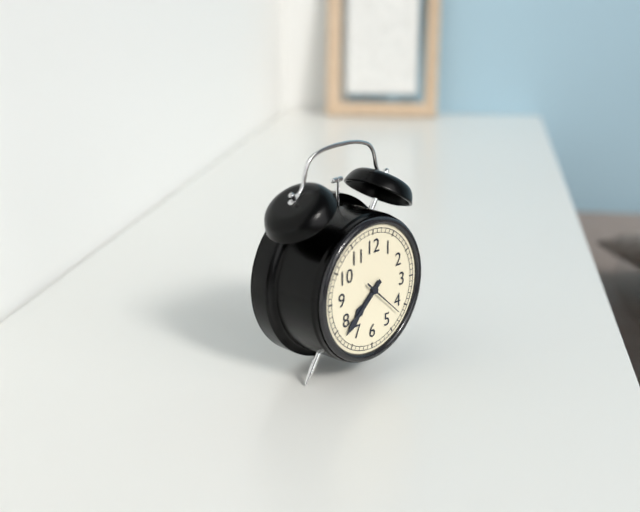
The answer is 7:38:22
